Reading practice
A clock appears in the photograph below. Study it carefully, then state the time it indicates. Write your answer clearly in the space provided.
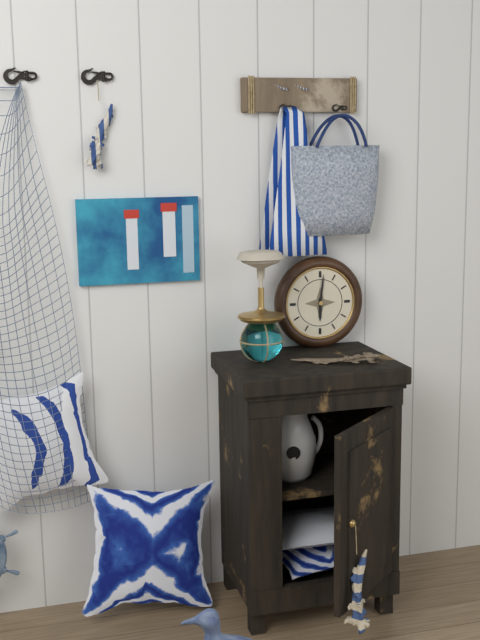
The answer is 6:01
